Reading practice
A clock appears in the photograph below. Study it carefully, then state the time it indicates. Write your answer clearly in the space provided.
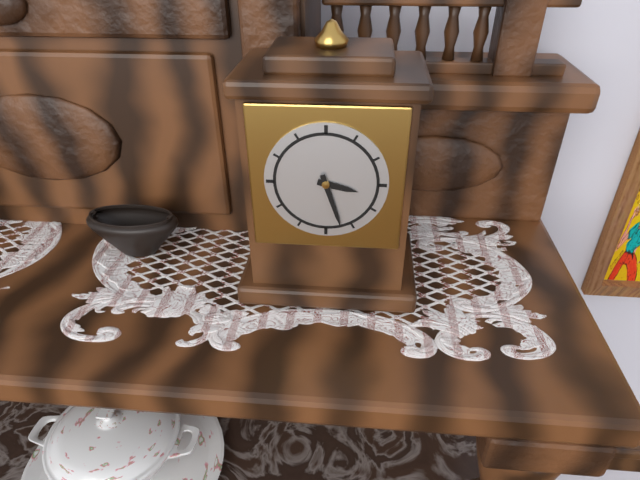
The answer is 3:27
